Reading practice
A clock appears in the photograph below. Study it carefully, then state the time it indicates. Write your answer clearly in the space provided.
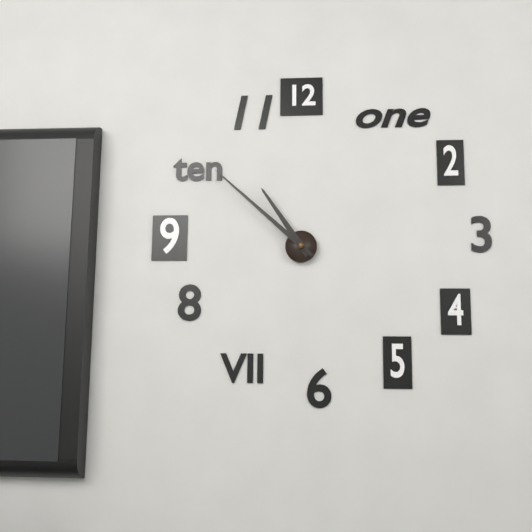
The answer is 10:52
